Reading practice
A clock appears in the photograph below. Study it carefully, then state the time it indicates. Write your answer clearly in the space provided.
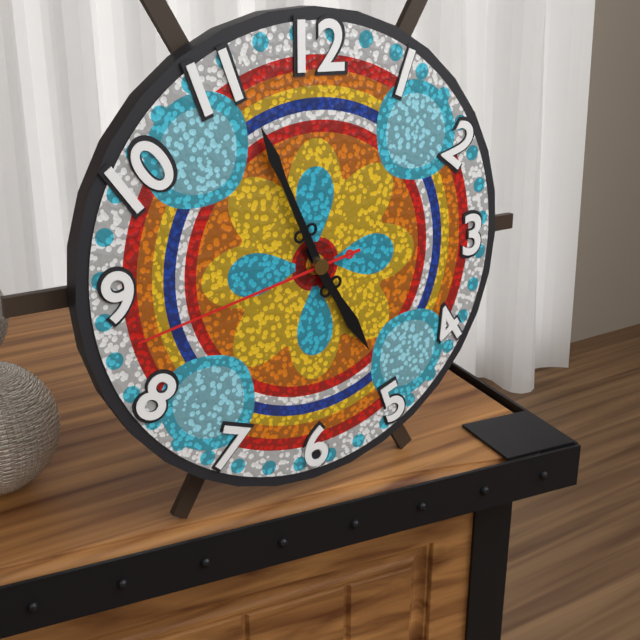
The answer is 4:56:43
